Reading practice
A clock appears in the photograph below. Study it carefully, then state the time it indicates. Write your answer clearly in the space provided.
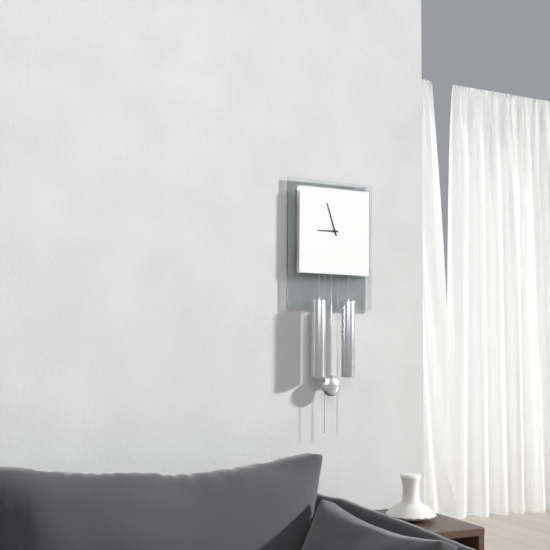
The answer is 8:57
